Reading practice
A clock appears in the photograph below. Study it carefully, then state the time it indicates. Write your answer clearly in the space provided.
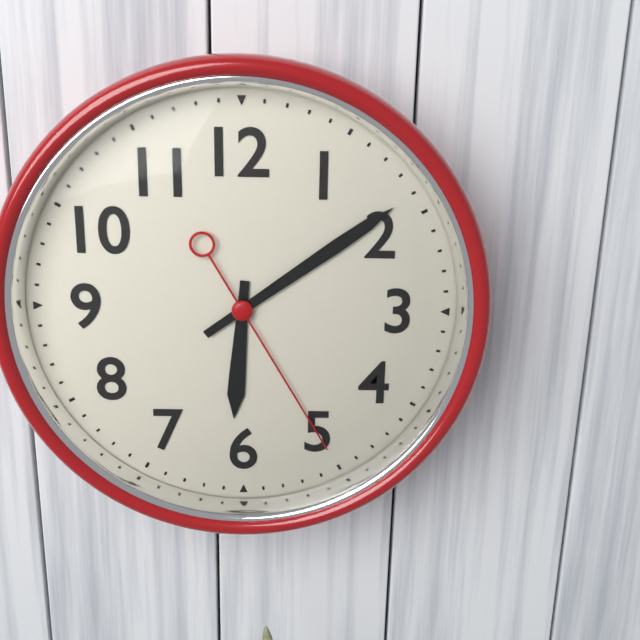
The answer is 6:09:25
